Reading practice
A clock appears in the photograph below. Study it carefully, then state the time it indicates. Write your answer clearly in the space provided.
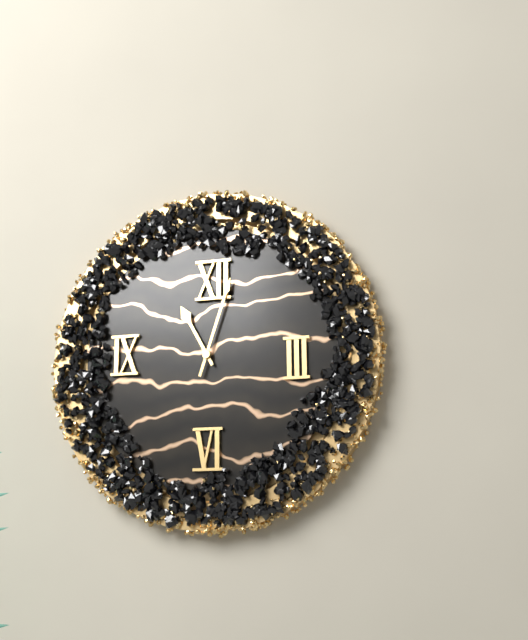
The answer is 11:03
